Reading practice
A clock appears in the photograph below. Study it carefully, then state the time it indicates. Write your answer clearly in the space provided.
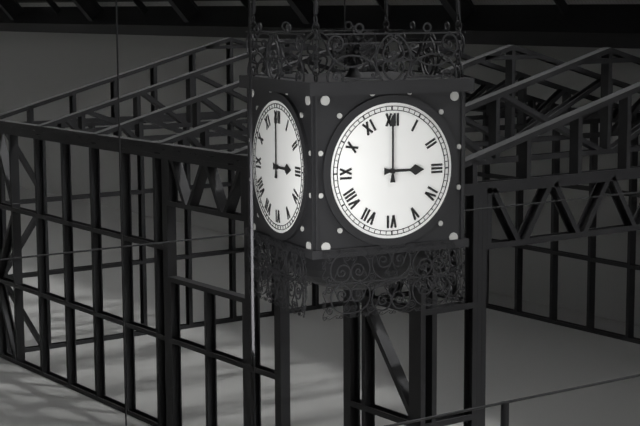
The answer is 3:00
